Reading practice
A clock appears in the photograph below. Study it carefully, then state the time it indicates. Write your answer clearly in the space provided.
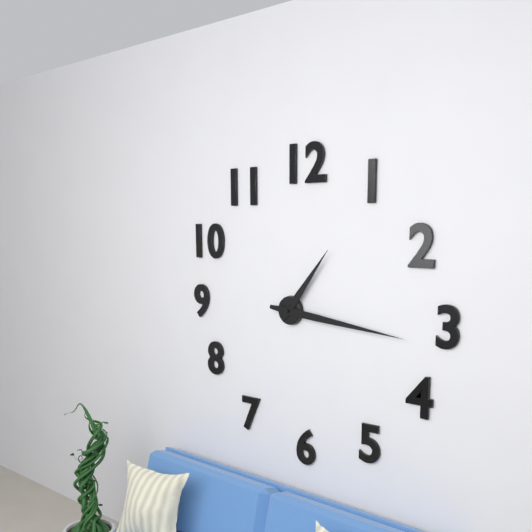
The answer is 1:16
